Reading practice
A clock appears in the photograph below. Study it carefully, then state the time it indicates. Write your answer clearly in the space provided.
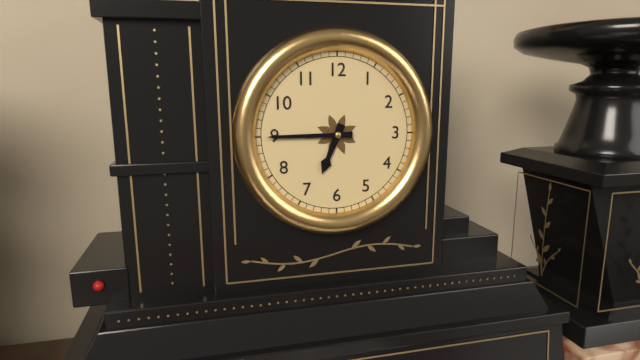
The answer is 6:45
